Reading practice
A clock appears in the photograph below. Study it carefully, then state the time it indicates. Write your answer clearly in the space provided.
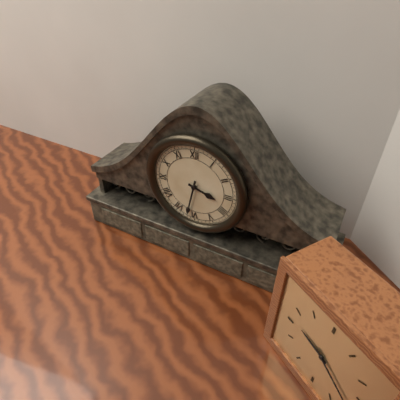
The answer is 3:32
